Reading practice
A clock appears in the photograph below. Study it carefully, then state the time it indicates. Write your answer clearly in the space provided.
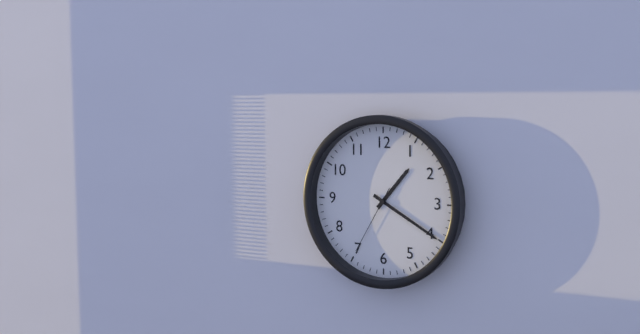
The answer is 1:20:35
